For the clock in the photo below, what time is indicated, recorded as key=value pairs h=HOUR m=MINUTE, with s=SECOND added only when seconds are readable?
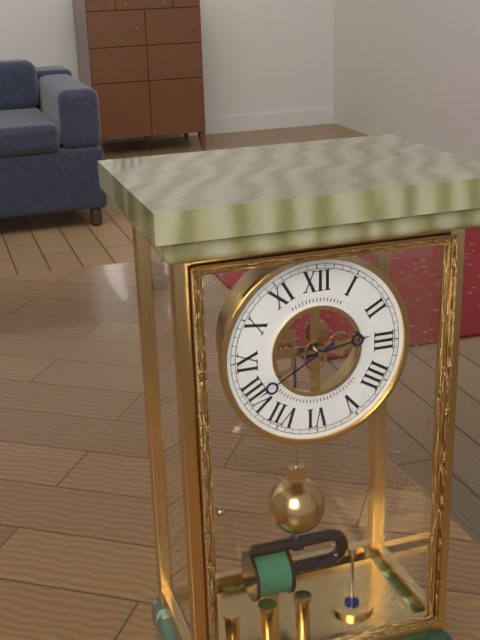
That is h=2 m=40
